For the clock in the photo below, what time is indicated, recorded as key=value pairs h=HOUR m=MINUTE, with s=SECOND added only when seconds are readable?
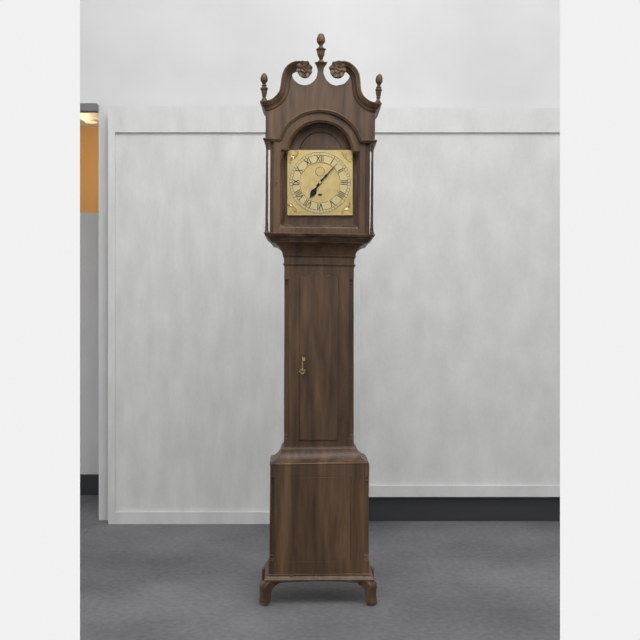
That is h=7 m=7
